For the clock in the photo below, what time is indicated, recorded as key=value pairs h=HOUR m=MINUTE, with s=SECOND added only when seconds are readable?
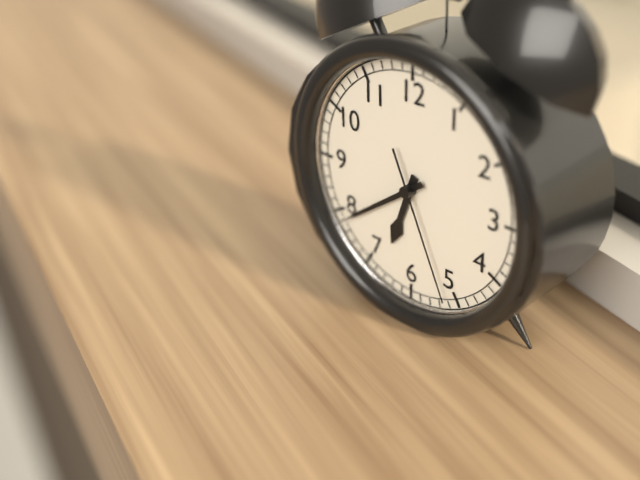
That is h=6 m=39 s=26
